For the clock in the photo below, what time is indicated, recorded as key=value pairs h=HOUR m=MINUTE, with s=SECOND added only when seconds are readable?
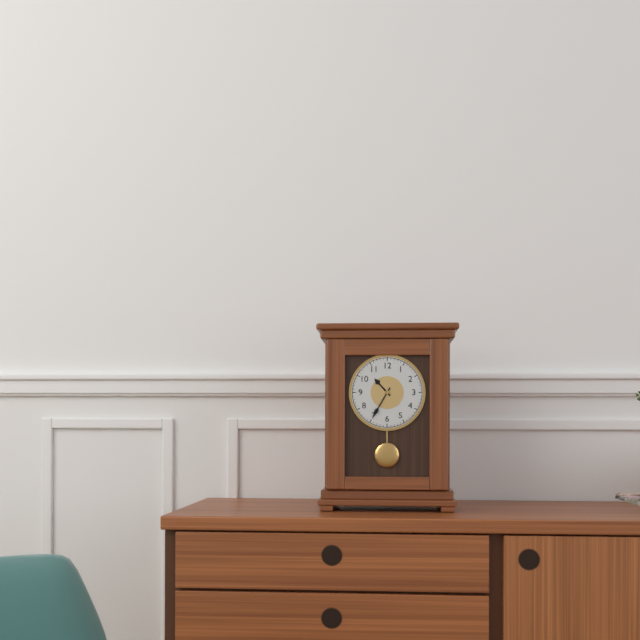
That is h=10 m=35
